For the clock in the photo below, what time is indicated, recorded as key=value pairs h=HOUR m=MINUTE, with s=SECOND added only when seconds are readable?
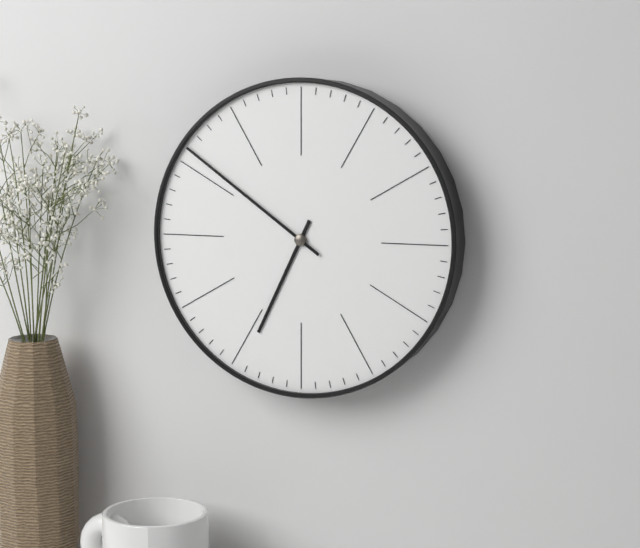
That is h=6 m=51
